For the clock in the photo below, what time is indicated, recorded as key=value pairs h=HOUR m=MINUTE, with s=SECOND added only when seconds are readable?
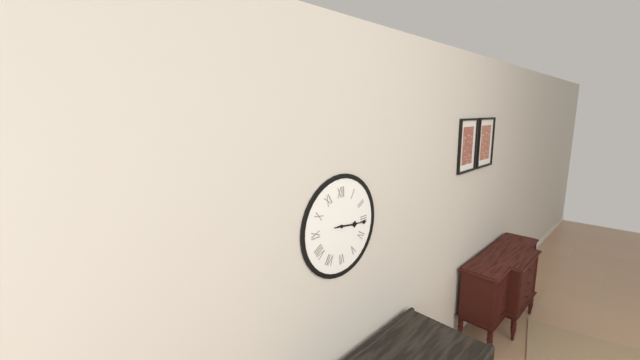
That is h=3 m=16
